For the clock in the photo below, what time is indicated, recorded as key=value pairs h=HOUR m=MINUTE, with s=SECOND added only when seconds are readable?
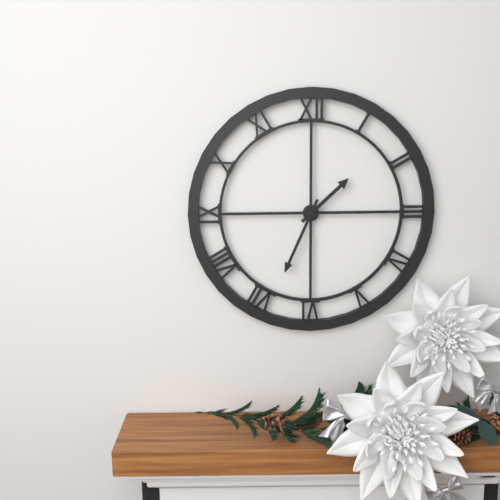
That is h=1 m=34
